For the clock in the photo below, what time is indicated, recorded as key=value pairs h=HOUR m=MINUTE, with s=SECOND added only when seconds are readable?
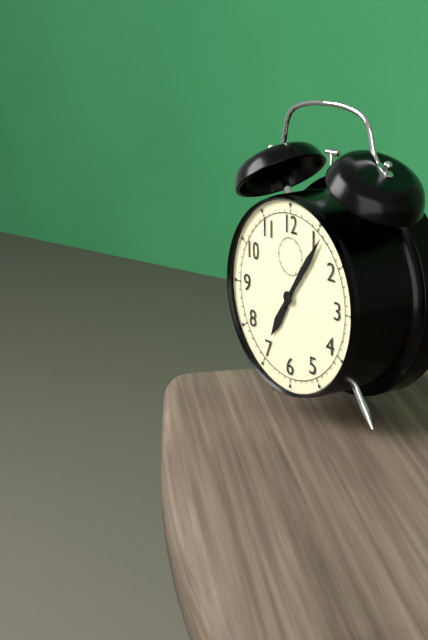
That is h=7 m=6
